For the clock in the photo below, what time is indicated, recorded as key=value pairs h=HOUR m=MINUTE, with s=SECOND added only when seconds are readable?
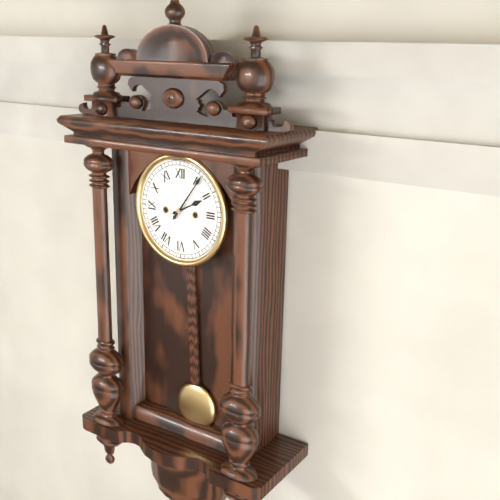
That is h=2 m=6
